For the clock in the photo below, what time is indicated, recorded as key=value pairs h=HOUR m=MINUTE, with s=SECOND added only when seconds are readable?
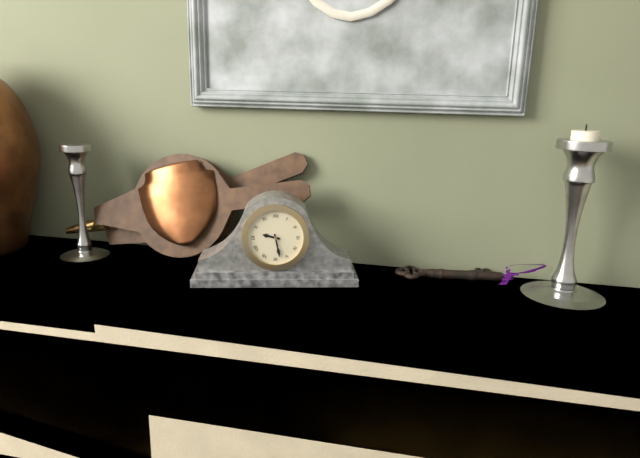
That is h=9 m=28
